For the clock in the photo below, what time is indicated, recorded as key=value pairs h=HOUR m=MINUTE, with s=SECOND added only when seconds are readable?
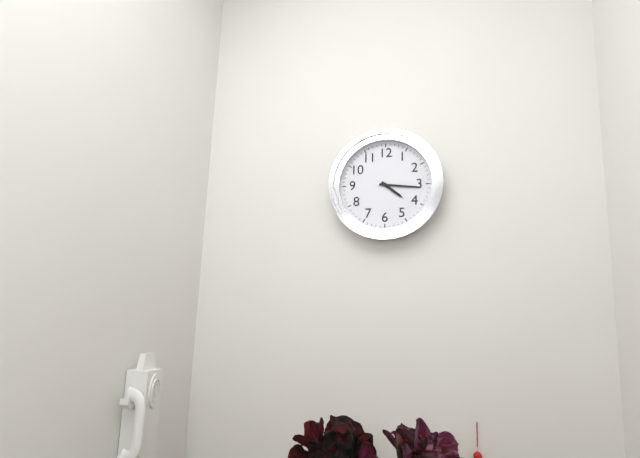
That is h=4 m=16
